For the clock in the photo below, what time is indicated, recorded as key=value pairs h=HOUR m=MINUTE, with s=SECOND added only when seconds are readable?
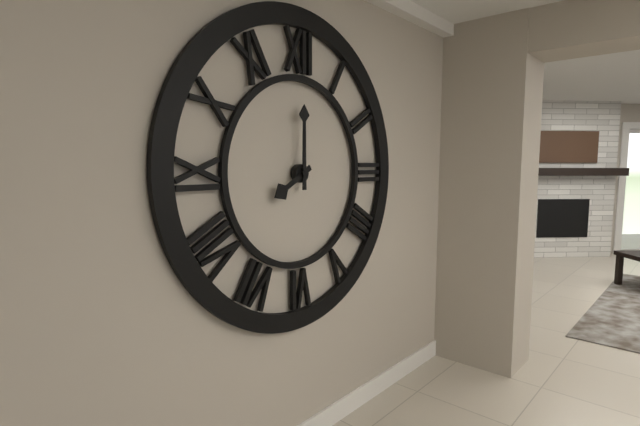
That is h=8 m=0
